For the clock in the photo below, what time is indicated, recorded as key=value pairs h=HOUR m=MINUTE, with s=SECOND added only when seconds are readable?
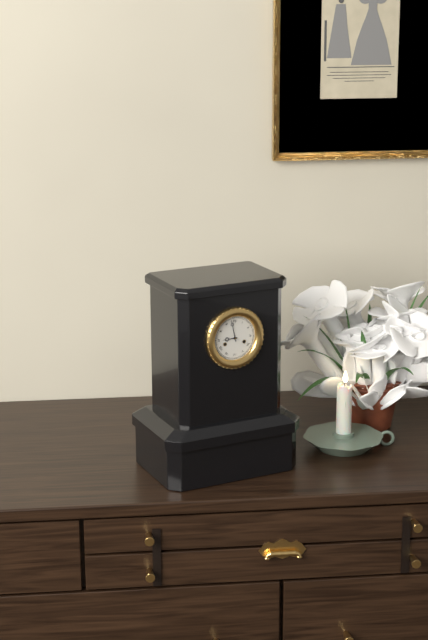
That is h=8 m=58
